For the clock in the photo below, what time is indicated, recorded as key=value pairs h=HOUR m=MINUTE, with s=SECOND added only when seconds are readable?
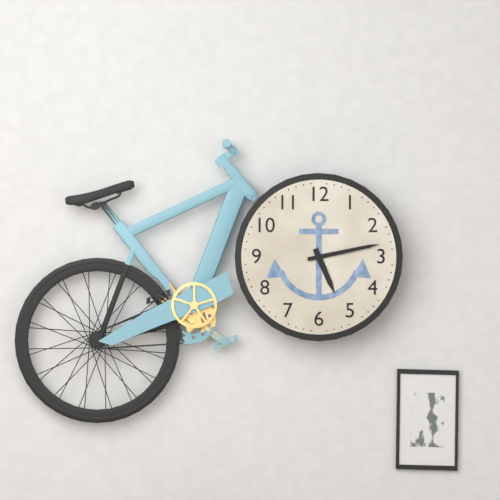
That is h=5 m=13
